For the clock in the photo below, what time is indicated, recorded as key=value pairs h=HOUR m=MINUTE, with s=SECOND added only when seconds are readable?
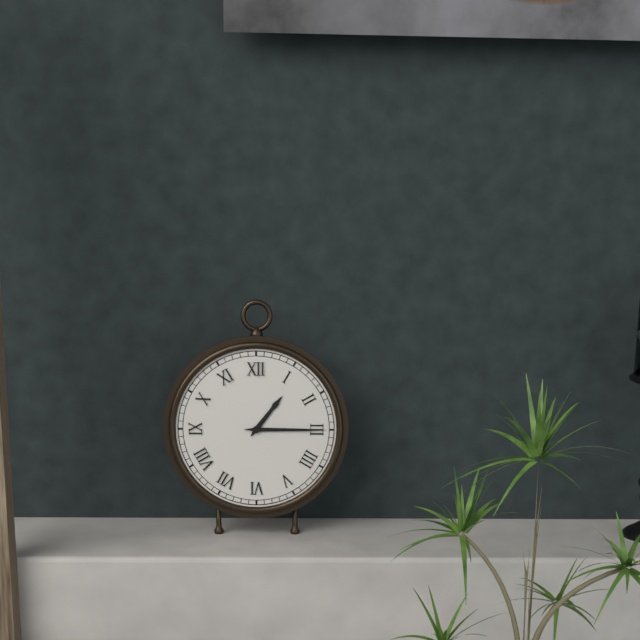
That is h=1 m=15
